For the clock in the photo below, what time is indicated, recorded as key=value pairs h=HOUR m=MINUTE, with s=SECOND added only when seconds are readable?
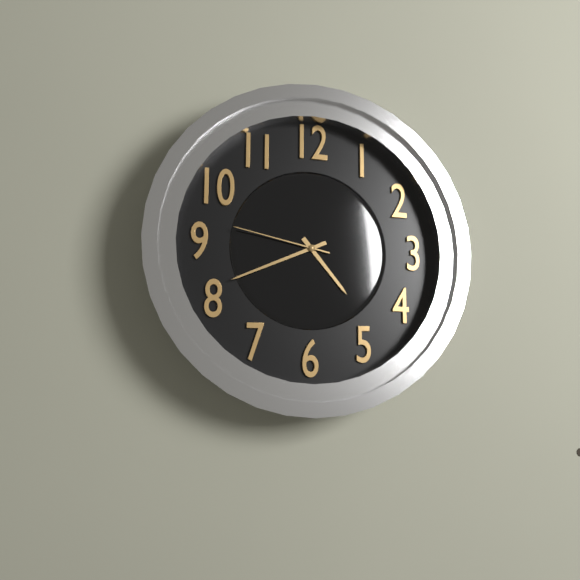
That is h=4 m=41 s=47
